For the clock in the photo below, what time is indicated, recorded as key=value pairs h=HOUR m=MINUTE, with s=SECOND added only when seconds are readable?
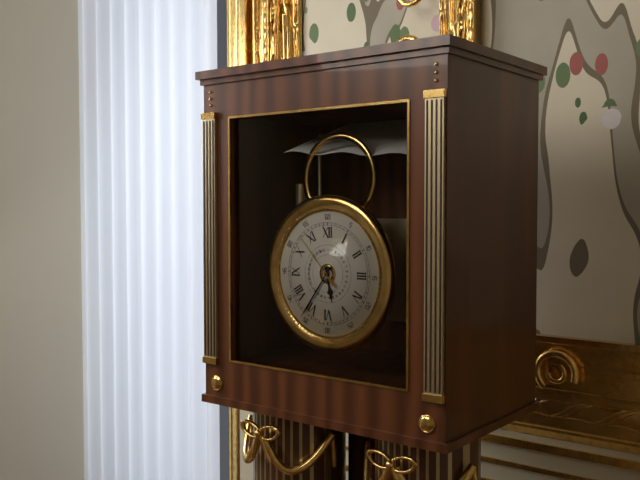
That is h=5 m=36 s=53
